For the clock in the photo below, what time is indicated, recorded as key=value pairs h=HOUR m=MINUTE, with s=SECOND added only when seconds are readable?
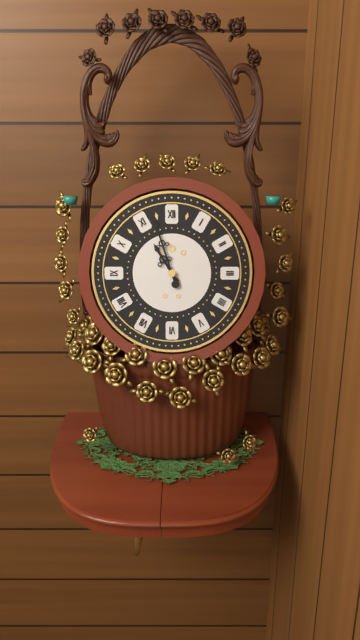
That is h=10 m=57
